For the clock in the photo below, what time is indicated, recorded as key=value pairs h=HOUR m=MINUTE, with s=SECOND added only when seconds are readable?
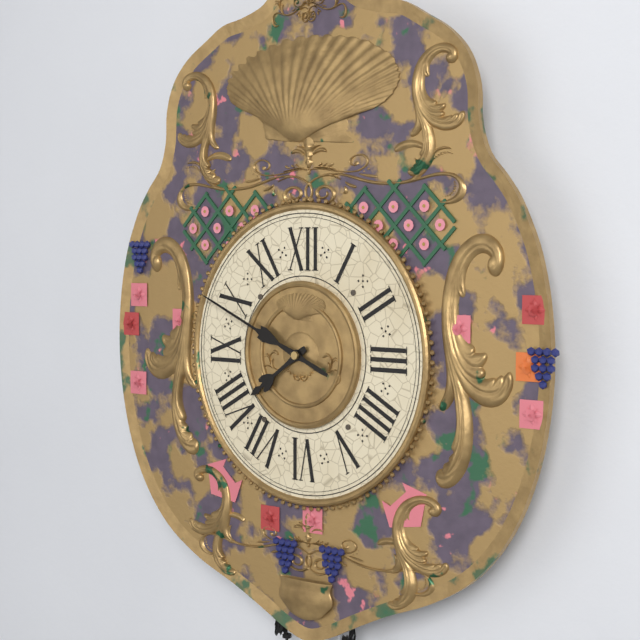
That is h=7 m=49
